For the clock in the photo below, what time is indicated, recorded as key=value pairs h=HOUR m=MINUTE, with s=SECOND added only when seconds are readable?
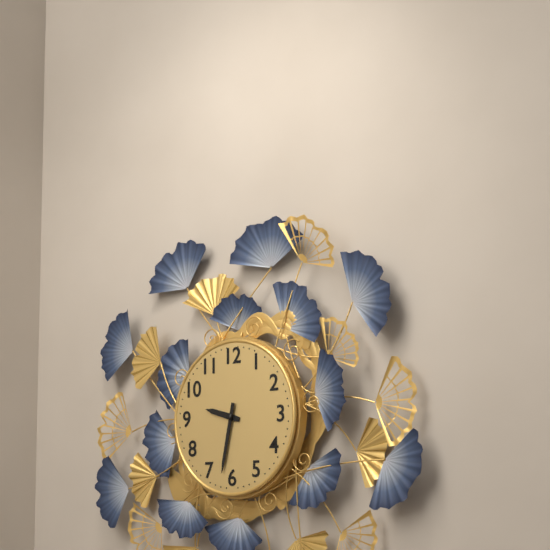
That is h=9 m=32
